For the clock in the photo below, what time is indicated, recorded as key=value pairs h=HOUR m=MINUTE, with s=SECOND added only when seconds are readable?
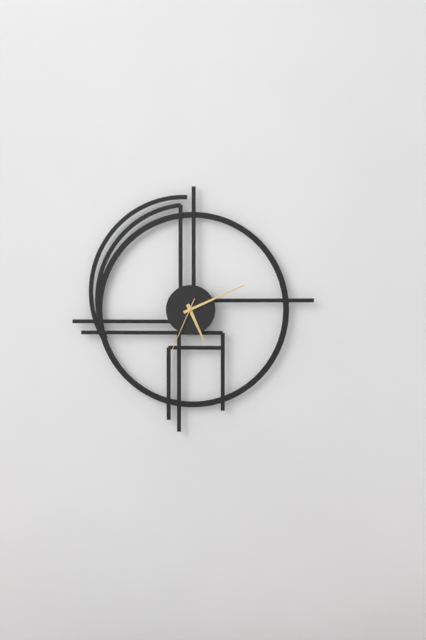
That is h=5 m=11 s=34
